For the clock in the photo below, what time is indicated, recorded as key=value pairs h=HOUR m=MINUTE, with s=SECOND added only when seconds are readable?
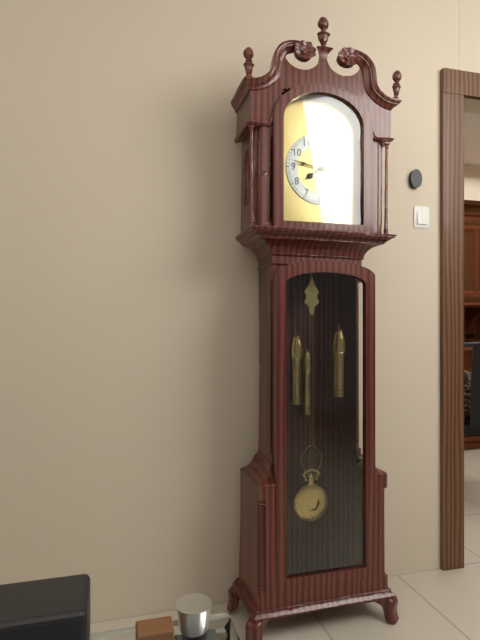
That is h=7 m=47
